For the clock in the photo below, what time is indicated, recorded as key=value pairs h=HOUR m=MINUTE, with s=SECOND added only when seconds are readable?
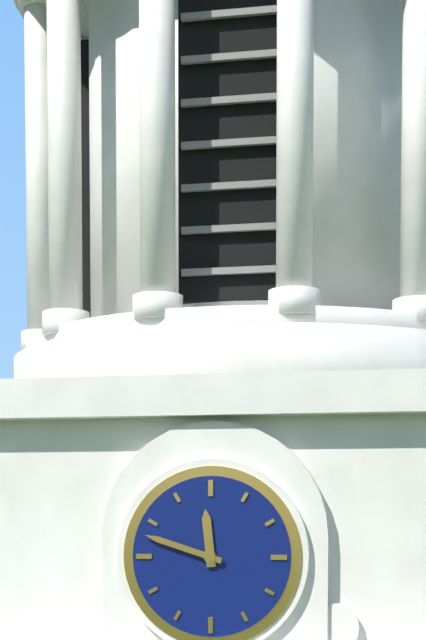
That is h=11 m=48
